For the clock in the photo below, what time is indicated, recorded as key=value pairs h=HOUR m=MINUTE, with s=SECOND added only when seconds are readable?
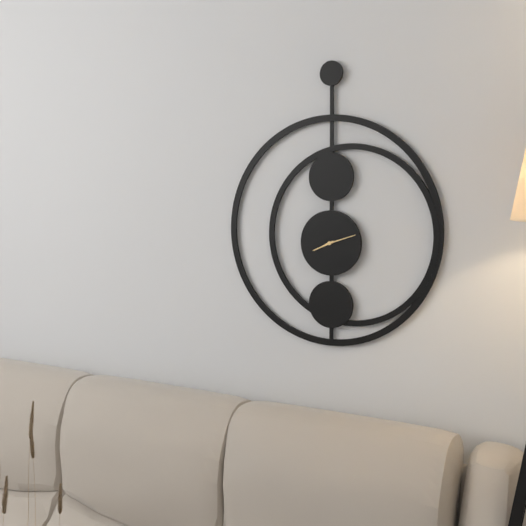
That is h=8 m=12
